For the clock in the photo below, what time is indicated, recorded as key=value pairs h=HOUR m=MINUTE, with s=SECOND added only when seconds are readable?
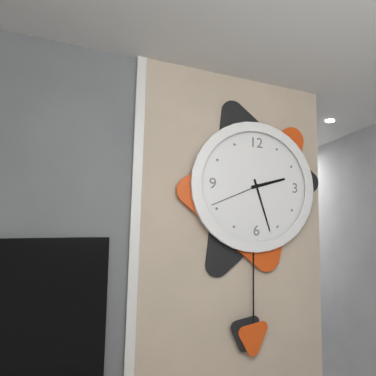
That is h=2 m=27 s=41
